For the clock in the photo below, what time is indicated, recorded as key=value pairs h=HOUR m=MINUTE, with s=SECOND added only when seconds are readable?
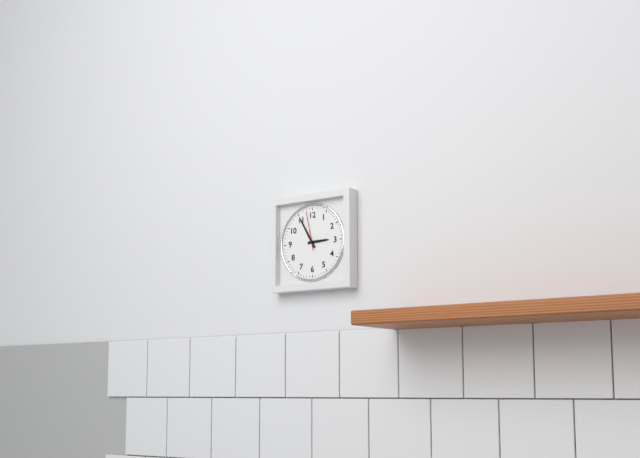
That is h=2 m=55
